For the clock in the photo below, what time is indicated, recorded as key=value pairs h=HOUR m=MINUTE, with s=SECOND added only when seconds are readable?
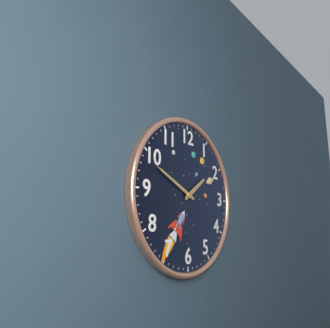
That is h=1 m=49
